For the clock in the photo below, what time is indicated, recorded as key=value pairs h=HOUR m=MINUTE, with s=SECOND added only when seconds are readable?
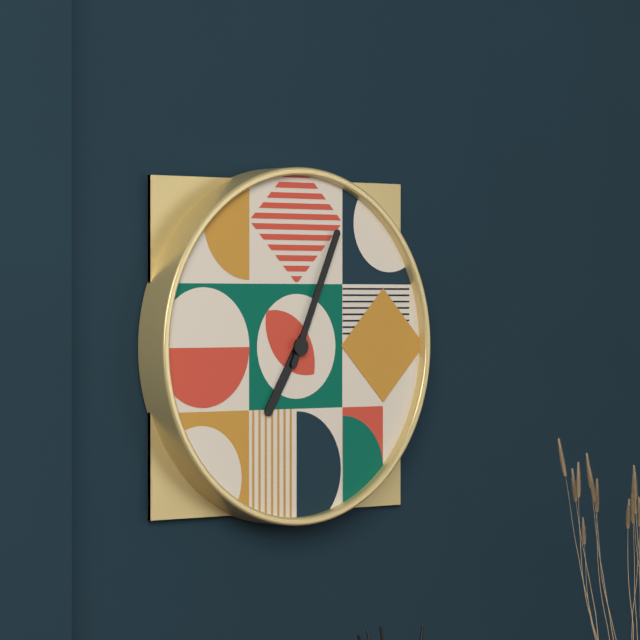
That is h=7 m=4
